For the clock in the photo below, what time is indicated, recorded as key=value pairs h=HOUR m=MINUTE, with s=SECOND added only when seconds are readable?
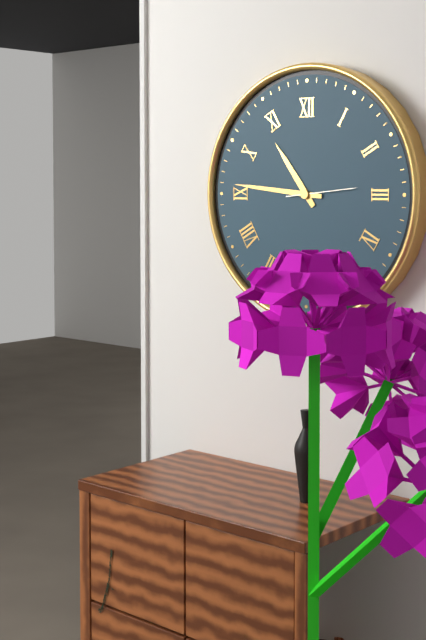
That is h=10 m=46 s=14
